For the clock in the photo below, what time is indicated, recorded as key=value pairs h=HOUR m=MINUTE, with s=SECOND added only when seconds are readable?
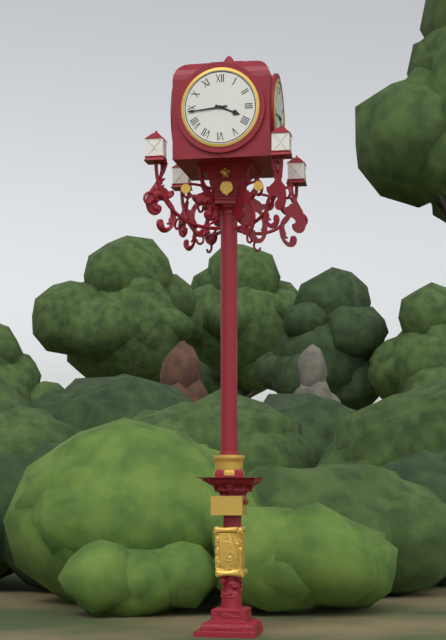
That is h=3 m=44
